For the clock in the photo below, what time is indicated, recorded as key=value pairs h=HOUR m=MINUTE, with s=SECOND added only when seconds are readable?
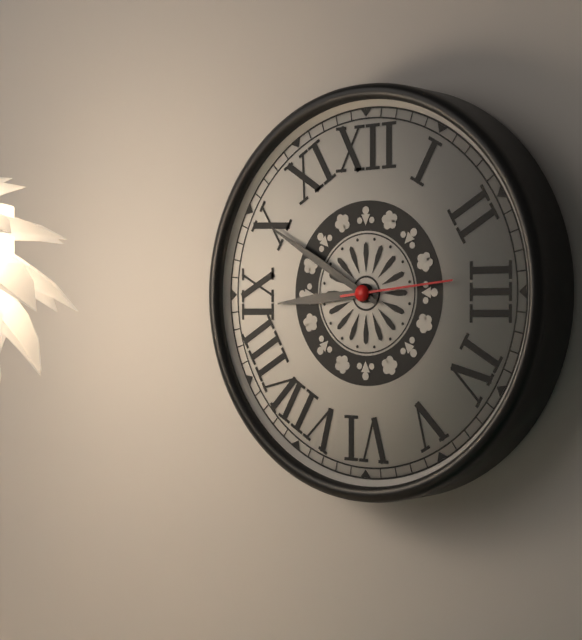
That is h=8 m=50 s=14
